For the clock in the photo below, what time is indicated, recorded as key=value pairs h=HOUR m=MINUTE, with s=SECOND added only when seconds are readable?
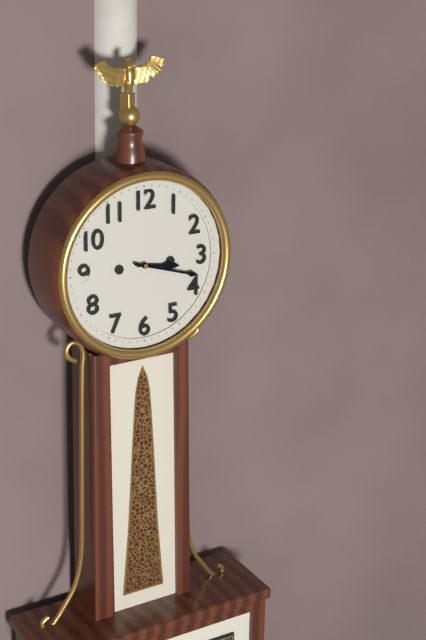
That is h=3 m=18
